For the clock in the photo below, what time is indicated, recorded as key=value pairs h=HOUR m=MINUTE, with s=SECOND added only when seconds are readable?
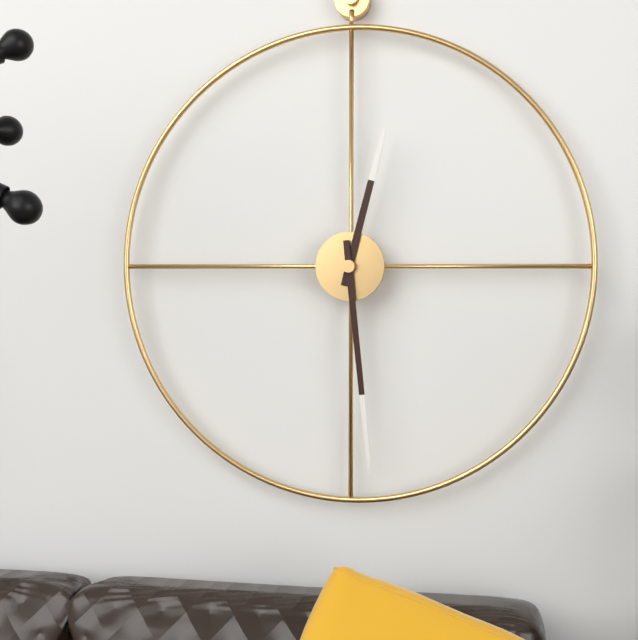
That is h=12 m=29
